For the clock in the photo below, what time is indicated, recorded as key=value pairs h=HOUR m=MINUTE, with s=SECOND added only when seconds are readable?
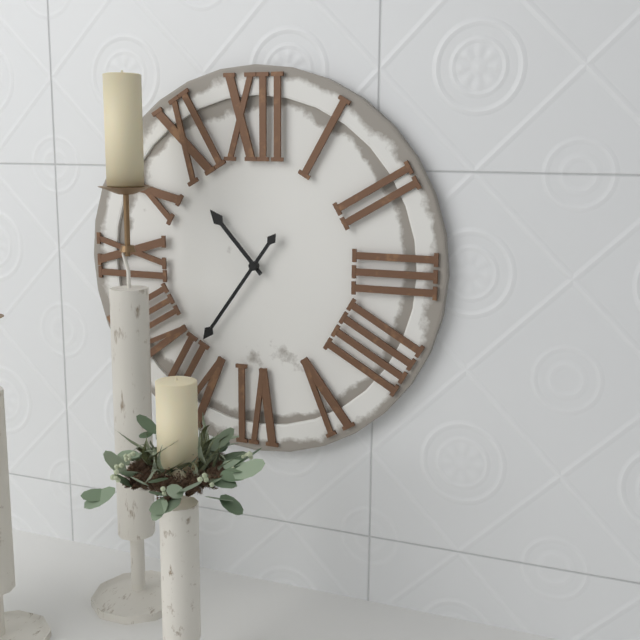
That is h=10 m=36
